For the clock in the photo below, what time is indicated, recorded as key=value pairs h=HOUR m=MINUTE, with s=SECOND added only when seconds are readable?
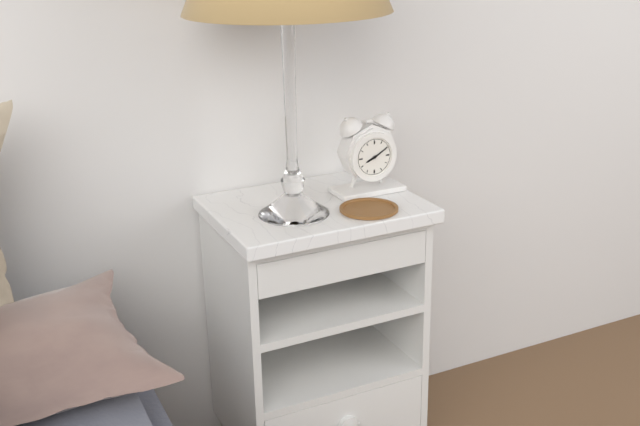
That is h=8 m=10
